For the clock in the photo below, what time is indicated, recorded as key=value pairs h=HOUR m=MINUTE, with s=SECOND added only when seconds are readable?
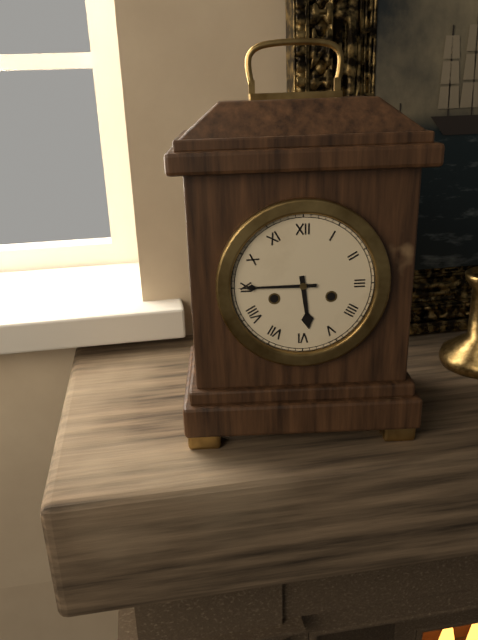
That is h=5 m=45
